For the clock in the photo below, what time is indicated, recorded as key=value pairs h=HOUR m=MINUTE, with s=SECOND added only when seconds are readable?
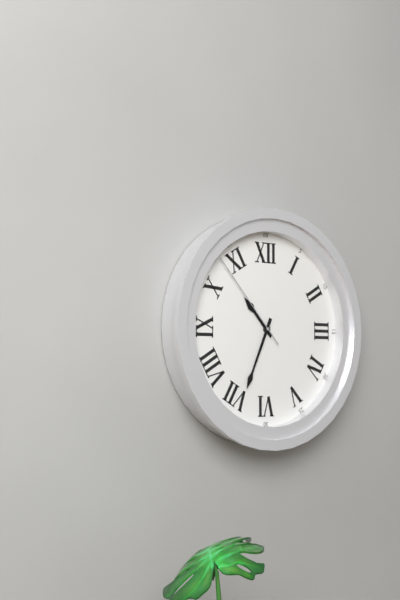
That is h=10 m=34 s=53
